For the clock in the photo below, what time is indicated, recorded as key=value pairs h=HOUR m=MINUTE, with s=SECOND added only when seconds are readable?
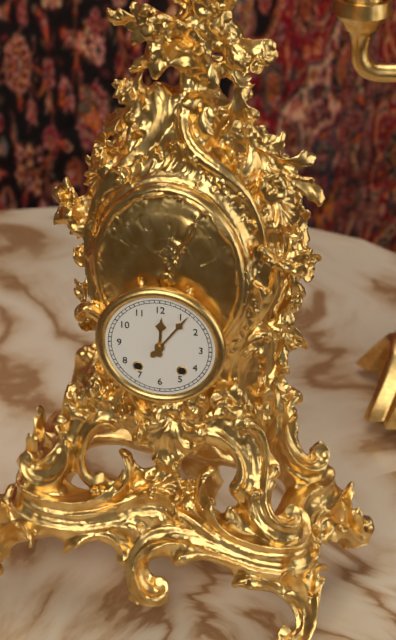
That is h=12 m=6
